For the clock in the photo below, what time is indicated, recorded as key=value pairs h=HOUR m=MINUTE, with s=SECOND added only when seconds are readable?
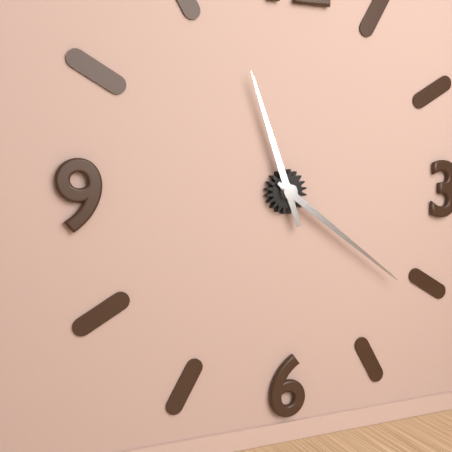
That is h=11 m=21
